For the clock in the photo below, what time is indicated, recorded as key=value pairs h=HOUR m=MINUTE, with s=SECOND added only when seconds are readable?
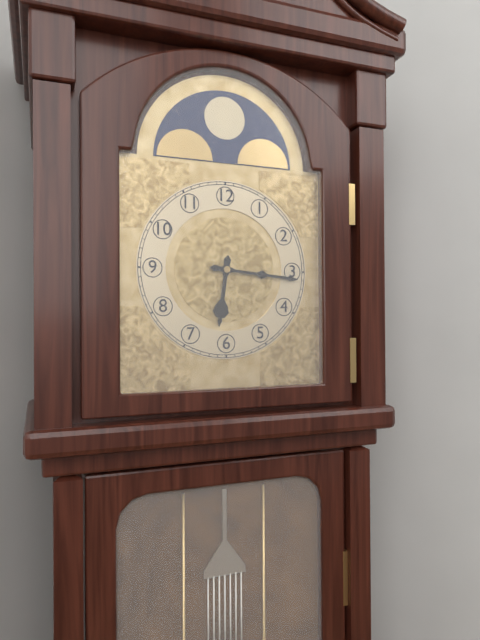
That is h=6 m=16
